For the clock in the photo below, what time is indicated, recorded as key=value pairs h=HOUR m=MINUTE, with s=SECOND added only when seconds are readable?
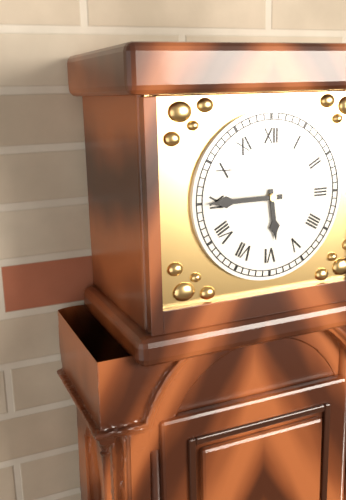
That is h=5 m=45
